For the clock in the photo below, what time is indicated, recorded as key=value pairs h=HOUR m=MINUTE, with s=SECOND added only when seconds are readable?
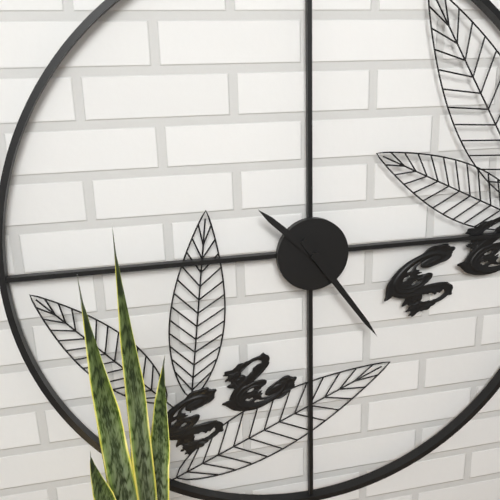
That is h=10 m=24
